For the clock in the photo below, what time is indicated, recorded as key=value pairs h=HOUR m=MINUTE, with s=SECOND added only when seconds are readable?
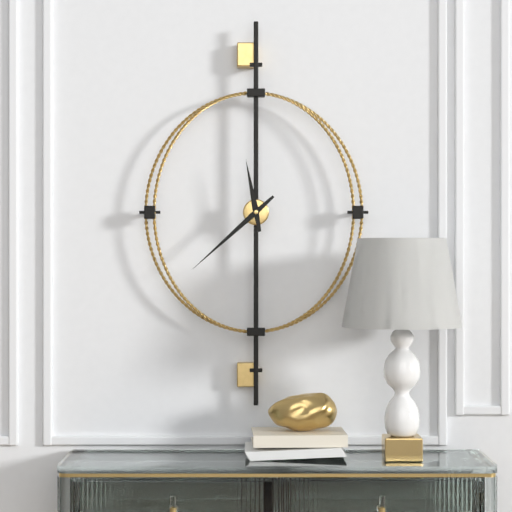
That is h=11 m=38
